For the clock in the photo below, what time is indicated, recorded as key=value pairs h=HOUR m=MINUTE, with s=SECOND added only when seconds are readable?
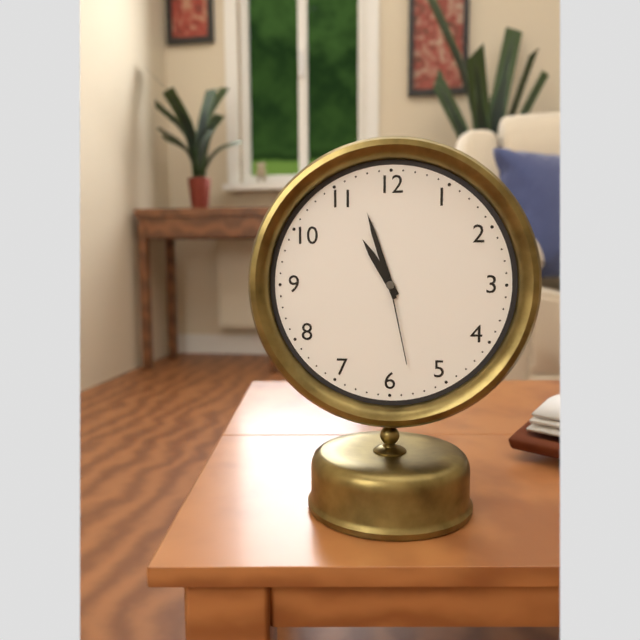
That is h=10 m=57 s=28
